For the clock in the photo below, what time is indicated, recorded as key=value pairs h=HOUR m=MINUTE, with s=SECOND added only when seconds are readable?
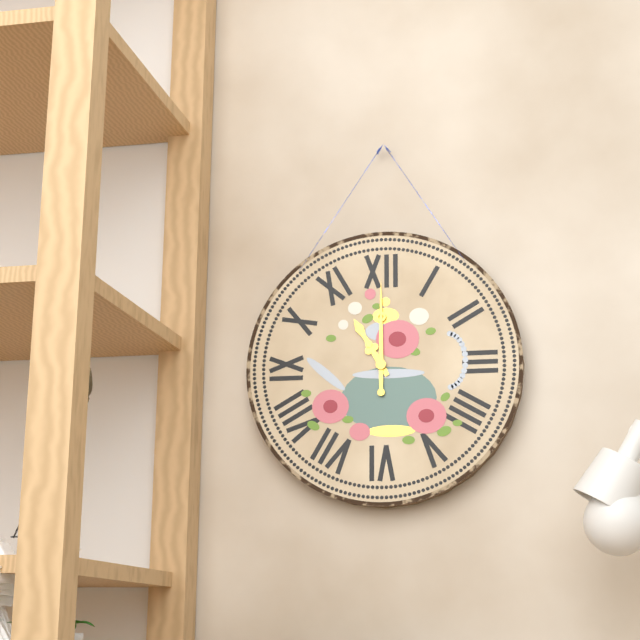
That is h=11 m=0
